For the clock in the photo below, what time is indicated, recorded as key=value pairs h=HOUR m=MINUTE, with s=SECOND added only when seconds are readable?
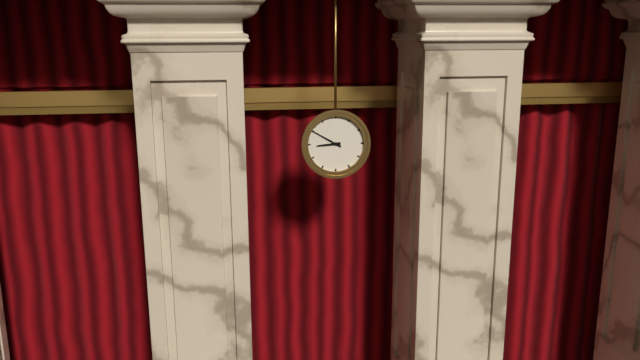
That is h=8 m=50
